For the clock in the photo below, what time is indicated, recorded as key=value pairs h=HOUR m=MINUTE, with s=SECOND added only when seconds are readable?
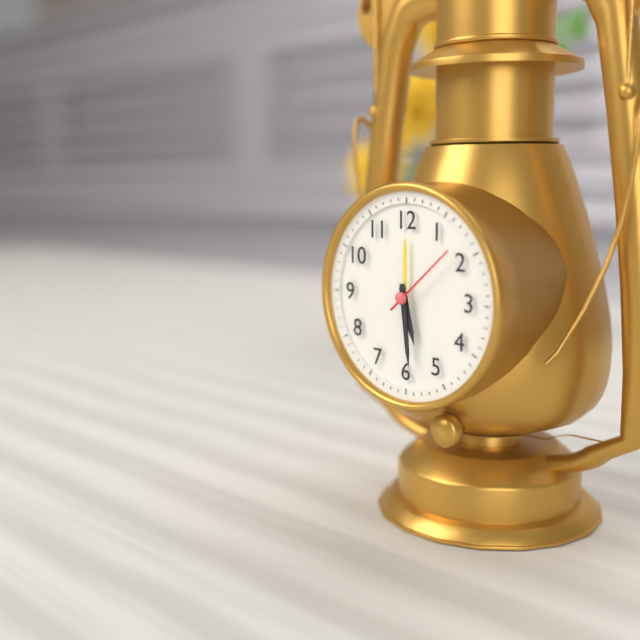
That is h=5 m=29 s=8
